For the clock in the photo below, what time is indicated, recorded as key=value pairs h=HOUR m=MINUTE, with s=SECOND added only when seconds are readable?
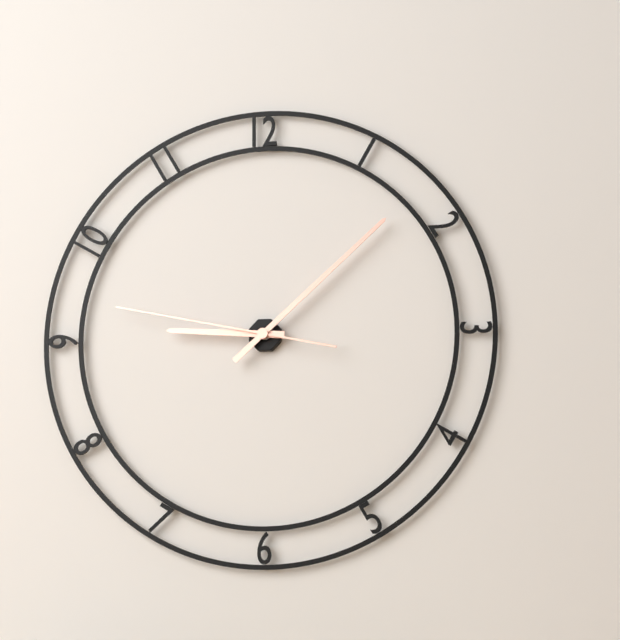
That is h=9 m=8 s=47
